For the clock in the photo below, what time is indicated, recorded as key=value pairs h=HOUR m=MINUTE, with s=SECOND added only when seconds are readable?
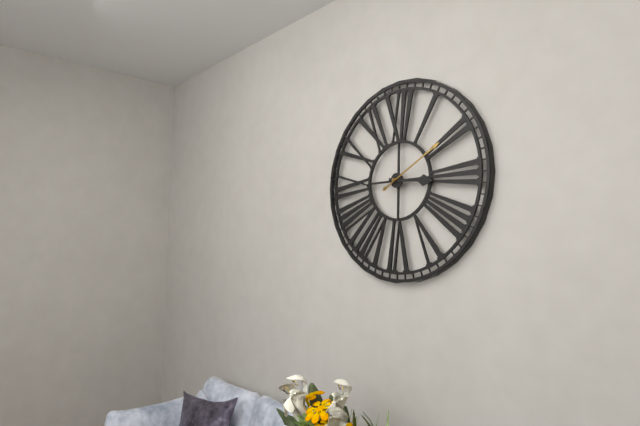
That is h=3 m=10
